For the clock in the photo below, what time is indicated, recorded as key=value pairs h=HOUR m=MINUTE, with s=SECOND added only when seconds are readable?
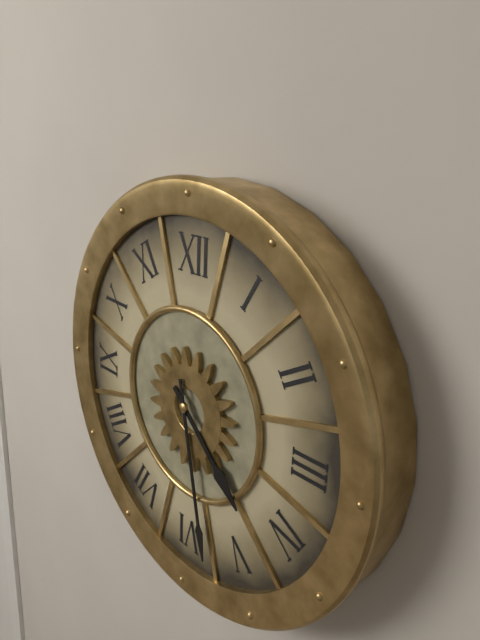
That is h=4 m=28
